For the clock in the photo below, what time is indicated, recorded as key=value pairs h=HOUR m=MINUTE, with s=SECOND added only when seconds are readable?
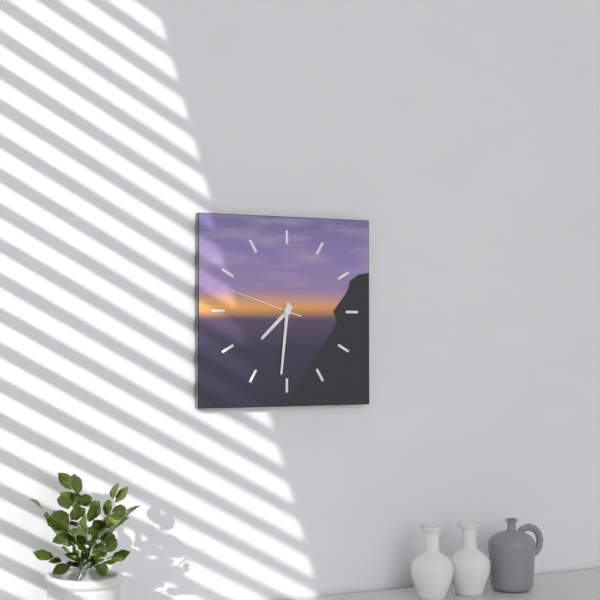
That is h=7 m=31 s=48
